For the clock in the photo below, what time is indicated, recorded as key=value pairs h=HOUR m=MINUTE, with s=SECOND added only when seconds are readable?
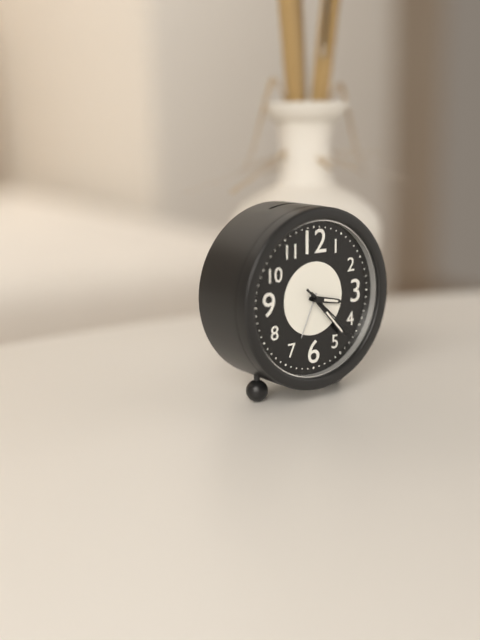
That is h=3 m=23 s=22
